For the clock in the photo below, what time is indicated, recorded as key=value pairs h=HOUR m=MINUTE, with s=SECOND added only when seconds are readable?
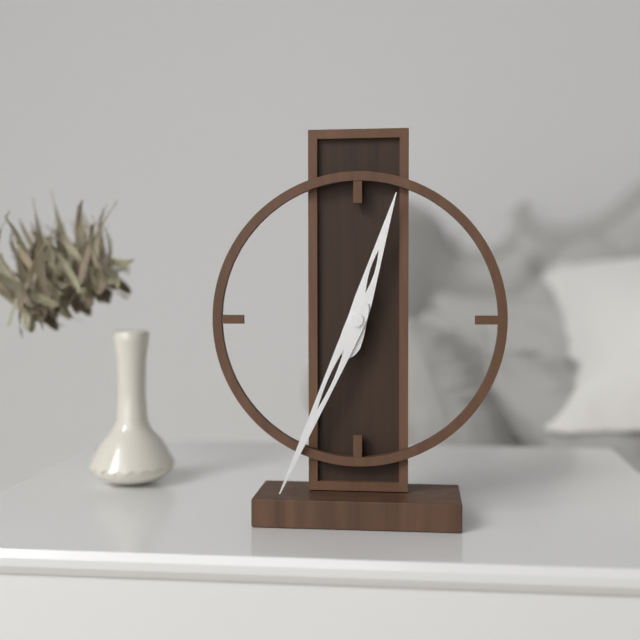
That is h=12 m=34
